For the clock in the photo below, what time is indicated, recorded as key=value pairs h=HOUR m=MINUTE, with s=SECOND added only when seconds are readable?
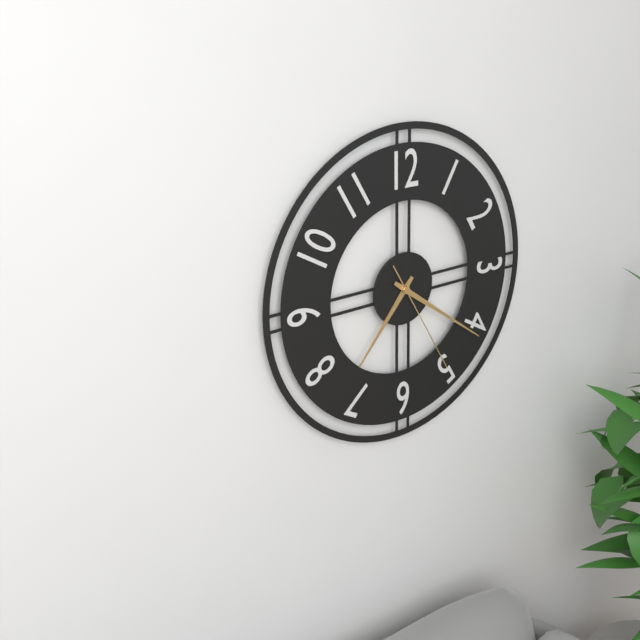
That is h=7 m=21 s=25
